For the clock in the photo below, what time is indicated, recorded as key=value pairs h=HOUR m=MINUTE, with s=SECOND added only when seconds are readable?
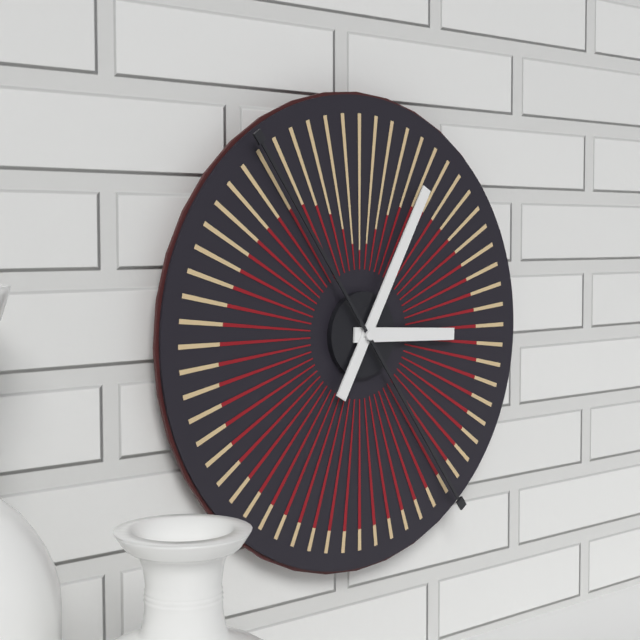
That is h=3 m=5
